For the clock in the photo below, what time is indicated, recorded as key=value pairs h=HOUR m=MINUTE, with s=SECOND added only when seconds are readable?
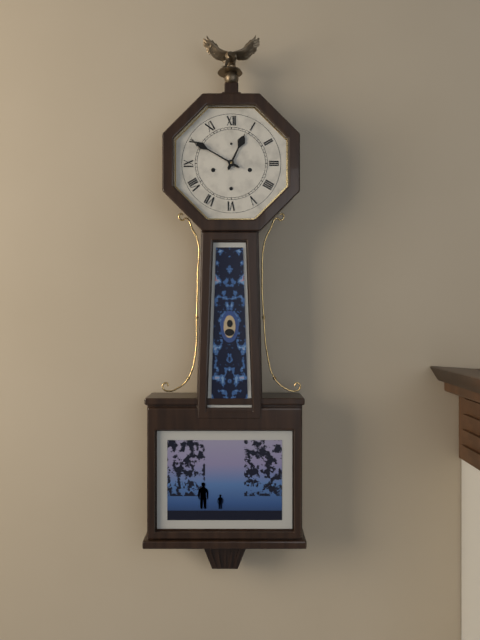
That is h=12 m=50
